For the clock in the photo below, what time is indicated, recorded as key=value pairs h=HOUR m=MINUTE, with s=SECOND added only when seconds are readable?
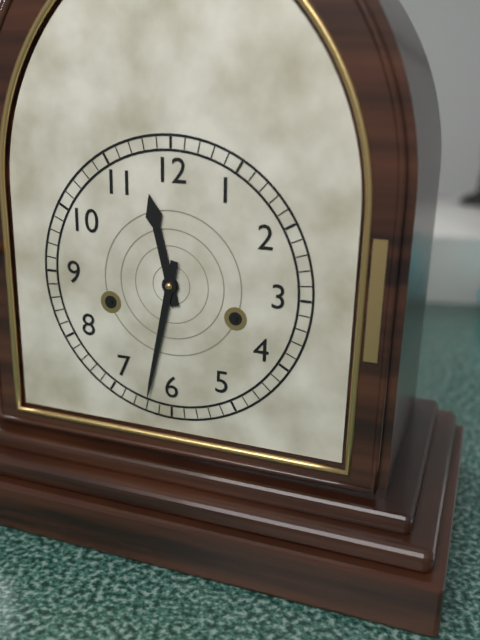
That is h=11 m=32
